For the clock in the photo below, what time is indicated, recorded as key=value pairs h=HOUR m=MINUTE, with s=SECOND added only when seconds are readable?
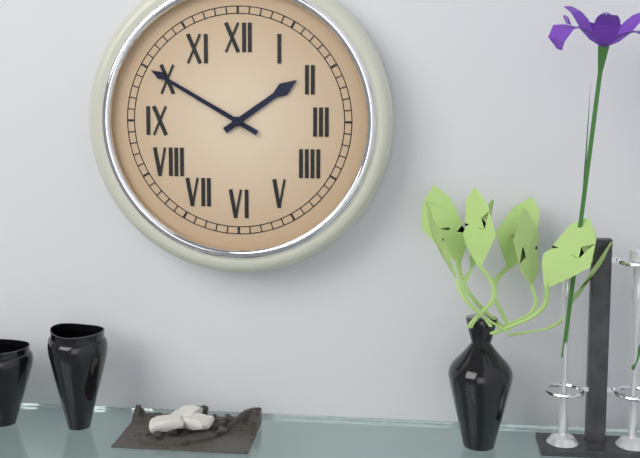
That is h=1 m=50
